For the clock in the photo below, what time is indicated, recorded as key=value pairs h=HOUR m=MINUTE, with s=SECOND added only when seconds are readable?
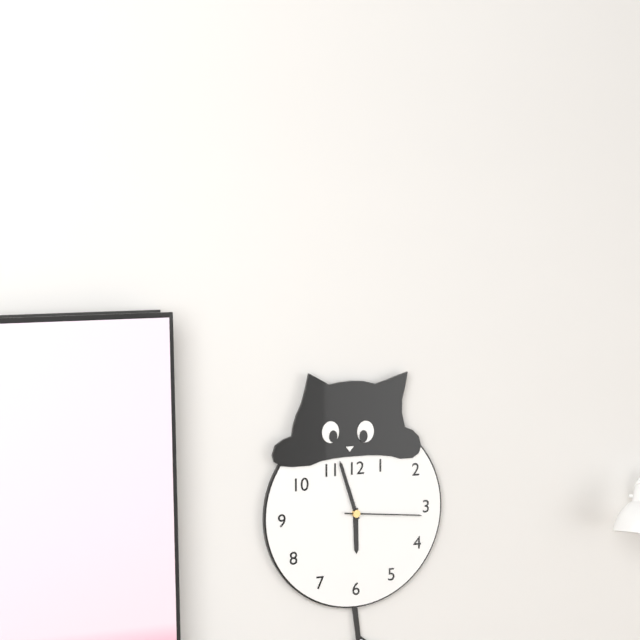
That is h=5 m=57 s=16
